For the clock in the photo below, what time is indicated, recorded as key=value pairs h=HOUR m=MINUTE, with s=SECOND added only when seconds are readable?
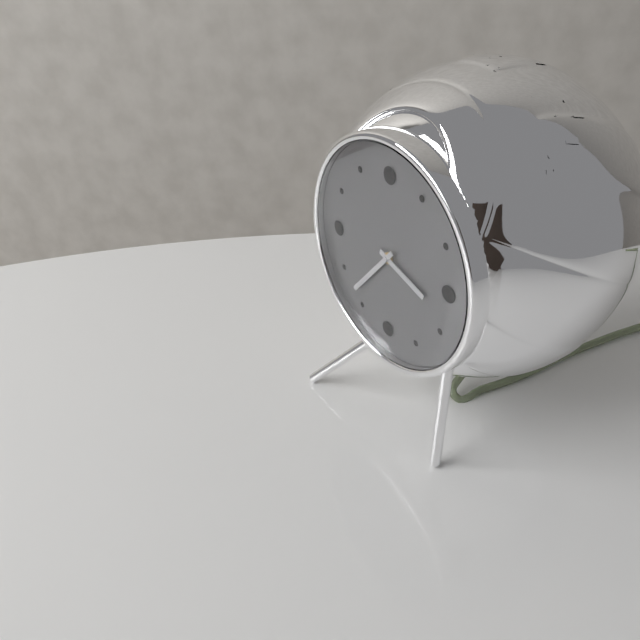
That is h=3 m=37
